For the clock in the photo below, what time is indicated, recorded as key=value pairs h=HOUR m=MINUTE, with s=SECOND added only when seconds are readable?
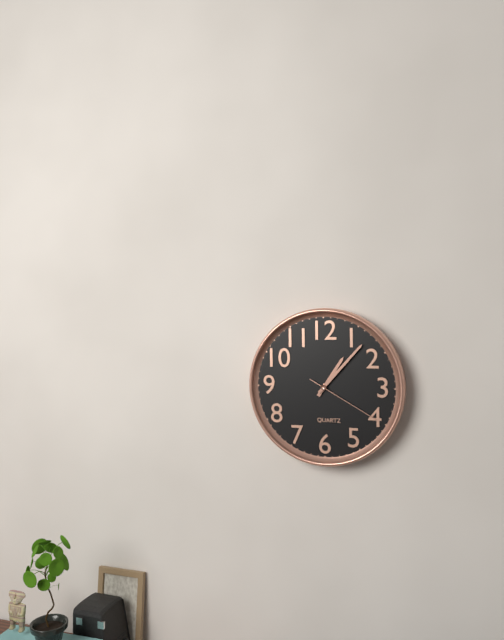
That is h=1 m=7 s=20
